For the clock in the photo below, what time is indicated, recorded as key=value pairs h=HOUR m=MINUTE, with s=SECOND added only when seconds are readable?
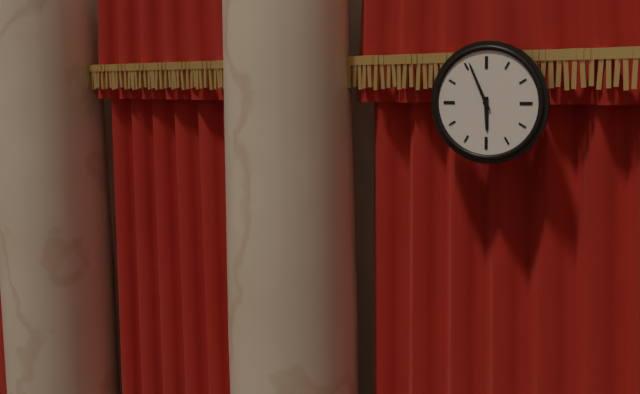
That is h=5 m=56
